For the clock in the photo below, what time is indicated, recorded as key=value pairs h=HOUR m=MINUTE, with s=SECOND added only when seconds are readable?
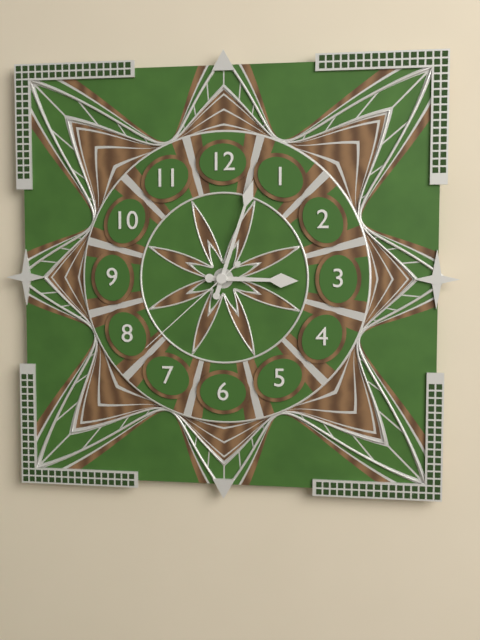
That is h=3 m=3 s=38
